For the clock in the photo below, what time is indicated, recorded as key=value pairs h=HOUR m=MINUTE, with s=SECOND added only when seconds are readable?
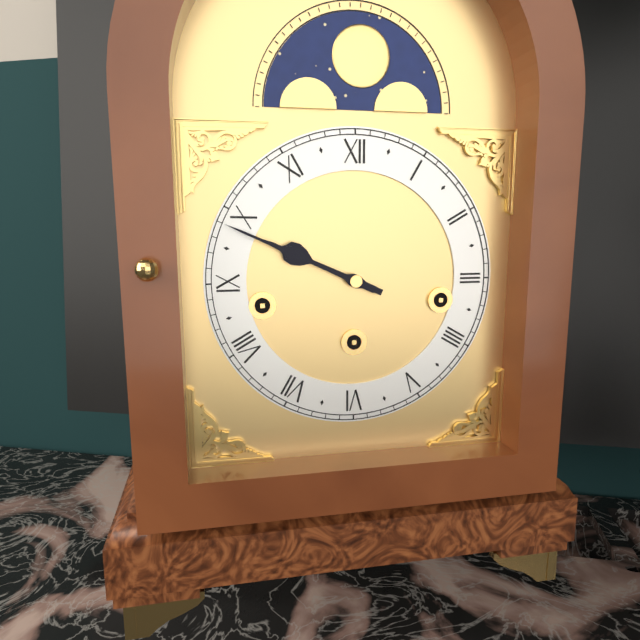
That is h=9 m=49
